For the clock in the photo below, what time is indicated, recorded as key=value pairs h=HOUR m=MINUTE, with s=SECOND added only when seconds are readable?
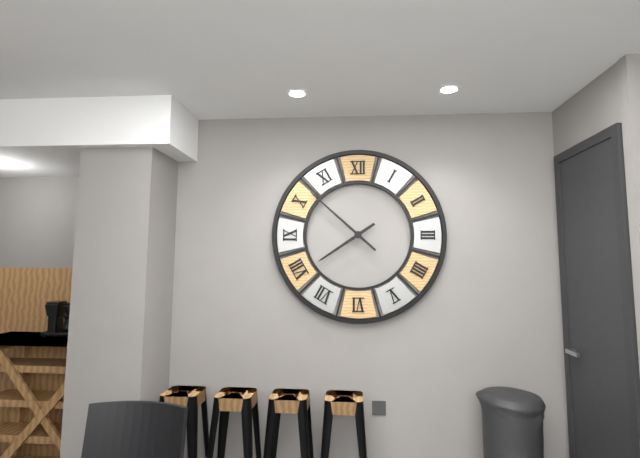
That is h=7 m=52
